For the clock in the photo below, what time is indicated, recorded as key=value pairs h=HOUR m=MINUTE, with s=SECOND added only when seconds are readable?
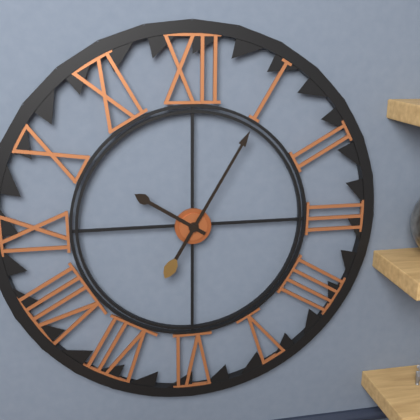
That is h=10 m=5
